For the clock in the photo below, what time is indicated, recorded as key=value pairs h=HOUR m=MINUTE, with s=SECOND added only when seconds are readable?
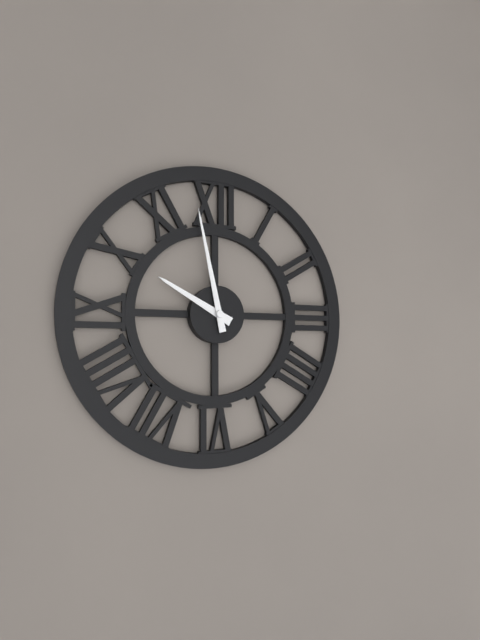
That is h=9 m=58
